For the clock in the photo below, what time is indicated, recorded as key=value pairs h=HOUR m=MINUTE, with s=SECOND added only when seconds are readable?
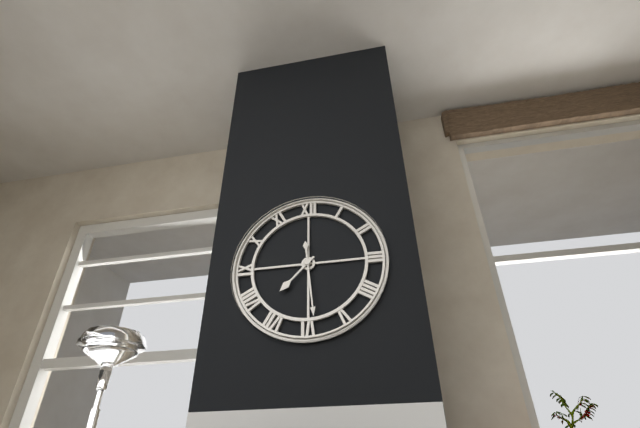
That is h=7 m=29
